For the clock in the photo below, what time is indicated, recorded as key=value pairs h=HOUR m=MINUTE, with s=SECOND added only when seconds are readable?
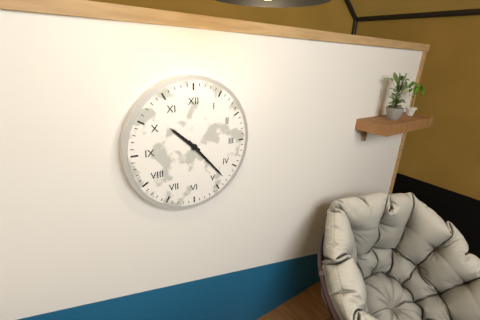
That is h=10 m=23
